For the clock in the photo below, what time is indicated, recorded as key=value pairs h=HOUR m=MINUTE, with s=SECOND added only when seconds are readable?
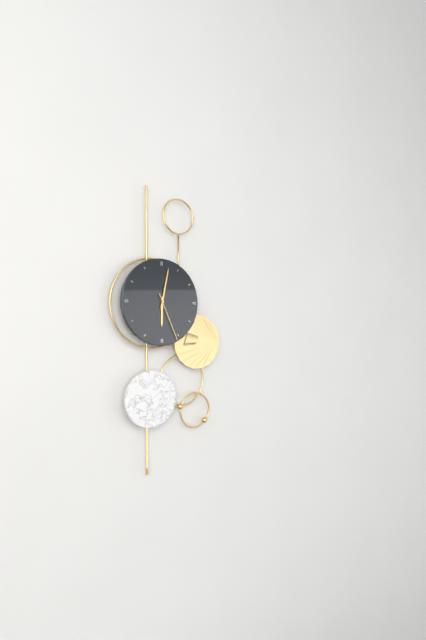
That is h=6 m=2 s=26
